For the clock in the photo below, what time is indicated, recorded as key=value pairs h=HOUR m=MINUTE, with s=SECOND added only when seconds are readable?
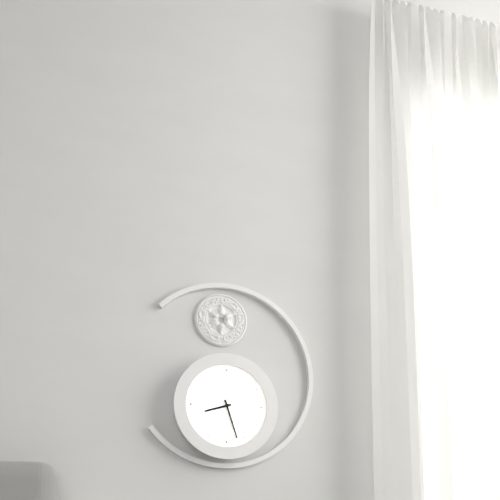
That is h=8 m=27
